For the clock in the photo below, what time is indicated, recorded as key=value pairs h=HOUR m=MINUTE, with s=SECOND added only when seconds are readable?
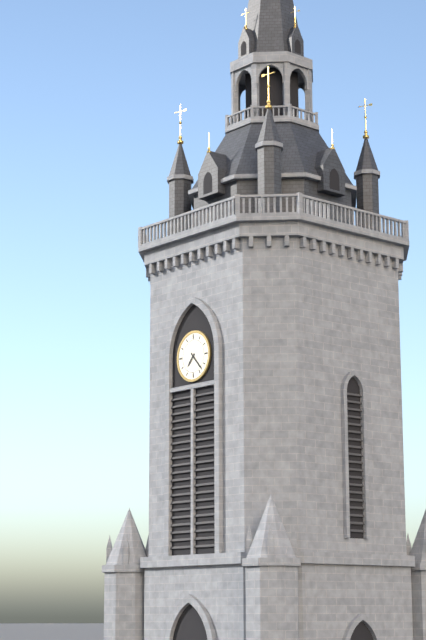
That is h=7 m=23
